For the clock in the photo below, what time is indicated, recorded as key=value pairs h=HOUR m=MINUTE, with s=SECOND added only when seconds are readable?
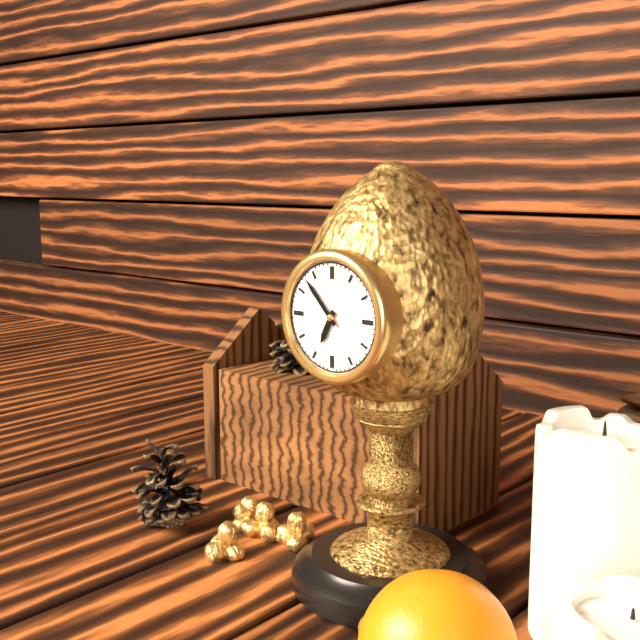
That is h=6 m=53
